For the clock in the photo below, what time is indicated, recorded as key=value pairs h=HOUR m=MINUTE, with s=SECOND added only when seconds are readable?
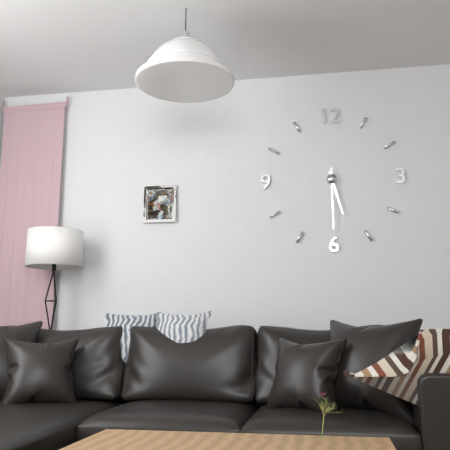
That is h=5 m=30
